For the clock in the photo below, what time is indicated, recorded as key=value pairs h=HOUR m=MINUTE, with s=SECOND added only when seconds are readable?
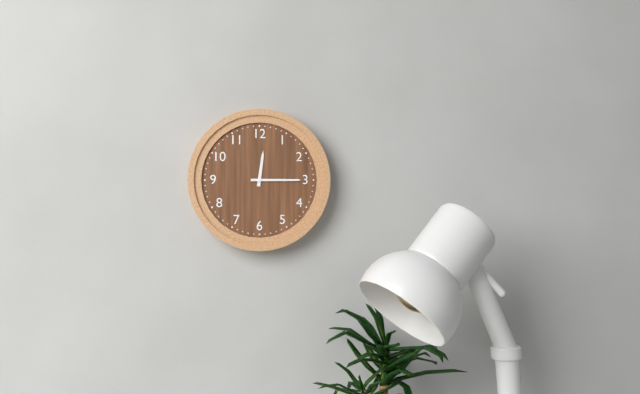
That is h=12 m=15
